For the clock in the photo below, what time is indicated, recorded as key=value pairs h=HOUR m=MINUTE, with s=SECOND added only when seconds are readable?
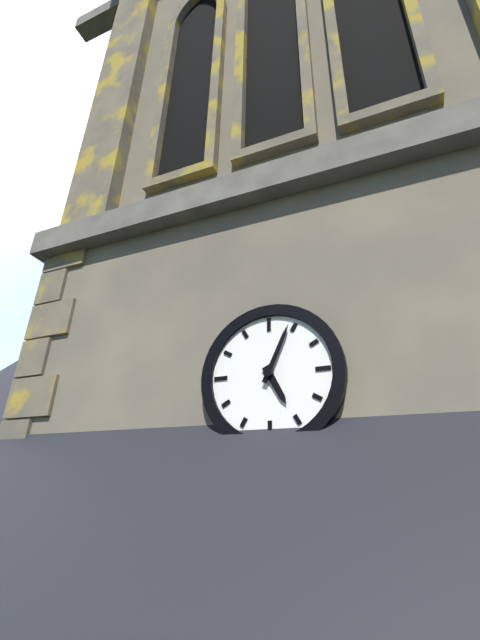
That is h=5 m=4
